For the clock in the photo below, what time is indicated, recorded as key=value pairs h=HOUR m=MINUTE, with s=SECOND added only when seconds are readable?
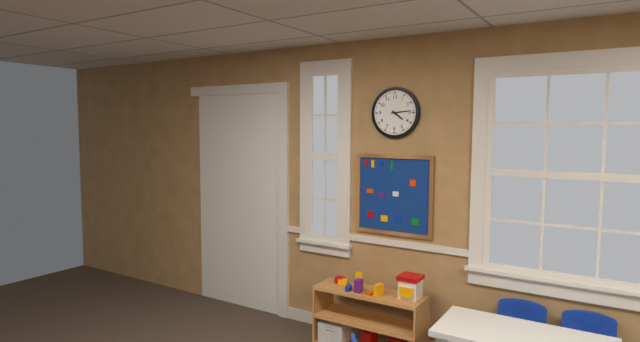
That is h=4 m=14
